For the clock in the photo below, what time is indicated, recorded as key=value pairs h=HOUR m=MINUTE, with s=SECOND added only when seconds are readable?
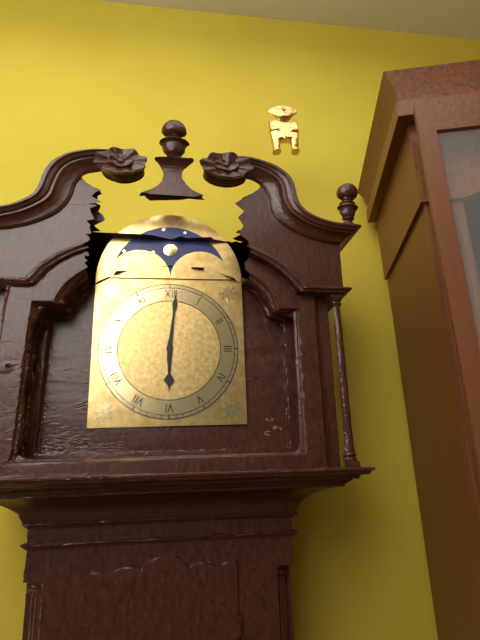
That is h=6 m=1
